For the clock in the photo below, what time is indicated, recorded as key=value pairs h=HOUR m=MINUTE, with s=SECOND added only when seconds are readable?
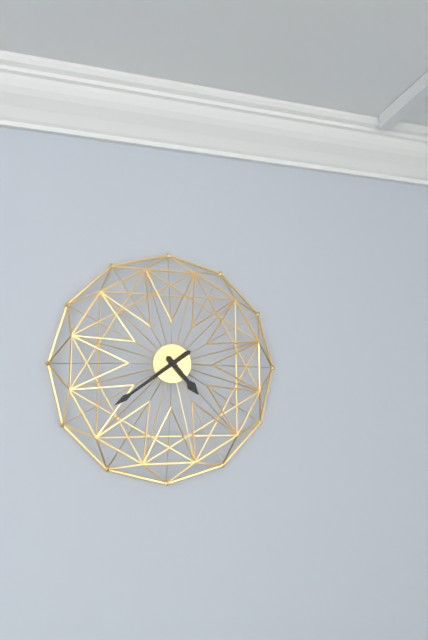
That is h=4 m=39
